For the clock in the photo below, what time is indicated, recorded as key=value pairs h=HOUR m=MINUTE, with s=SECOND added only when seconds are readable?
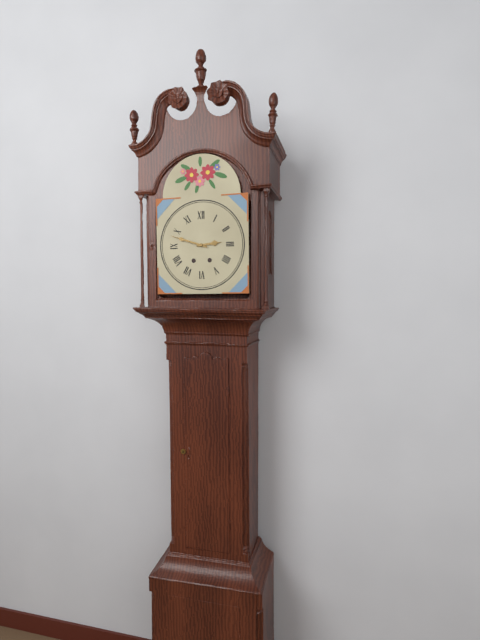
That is h=2 m=48
